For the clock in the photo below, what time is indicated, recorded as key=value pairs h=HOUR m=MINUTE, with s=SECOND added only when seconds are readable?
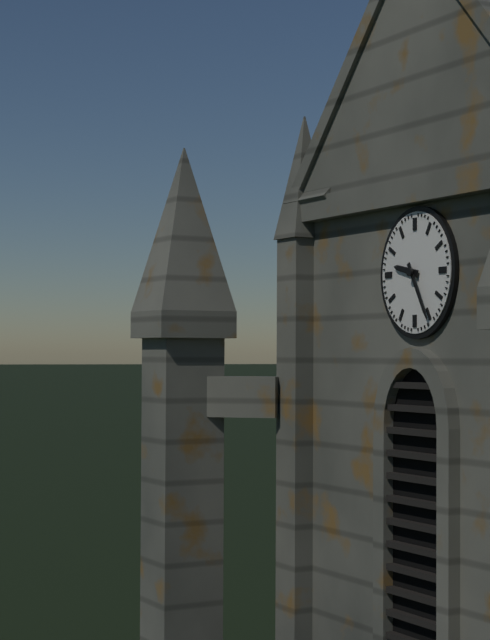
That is h=9 m=25
